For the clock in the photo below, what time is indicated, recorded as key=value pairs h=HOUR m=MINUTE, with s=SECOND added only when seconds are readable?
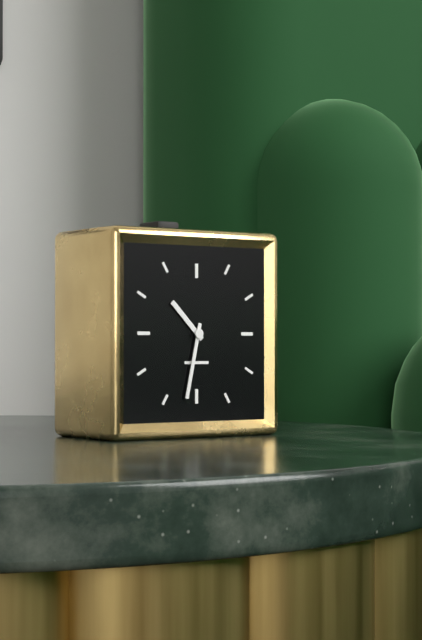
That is h=10 m=32
